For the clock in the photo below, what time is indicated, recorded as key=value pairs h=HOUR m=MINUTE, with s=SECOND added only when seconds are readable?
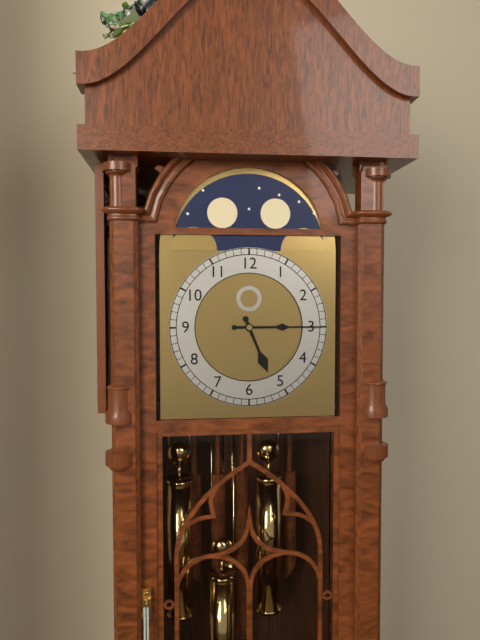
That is h=5 m=15
